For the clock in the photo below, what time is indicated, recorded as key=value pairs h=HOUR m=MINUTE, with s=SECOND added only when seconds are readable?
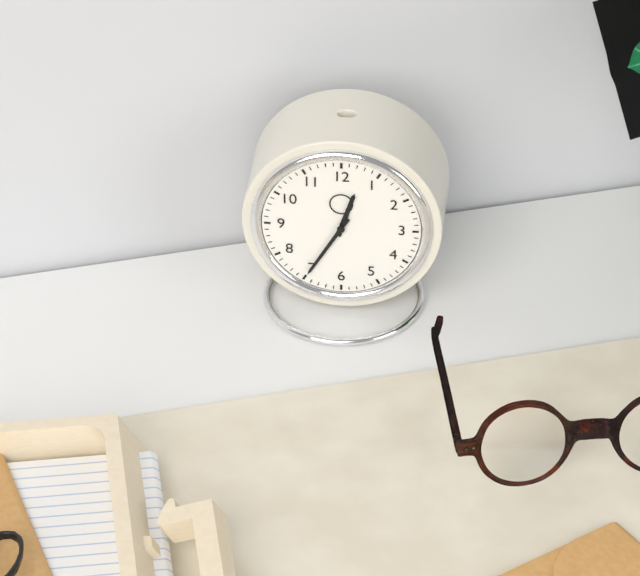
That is h=12 m=35
